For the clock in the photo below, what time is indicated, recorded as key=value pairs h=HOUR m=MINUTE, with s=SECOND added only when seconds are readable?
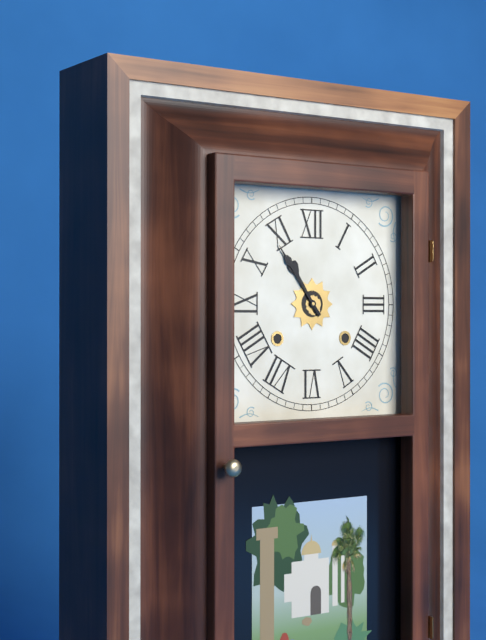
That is h=10 m=54
